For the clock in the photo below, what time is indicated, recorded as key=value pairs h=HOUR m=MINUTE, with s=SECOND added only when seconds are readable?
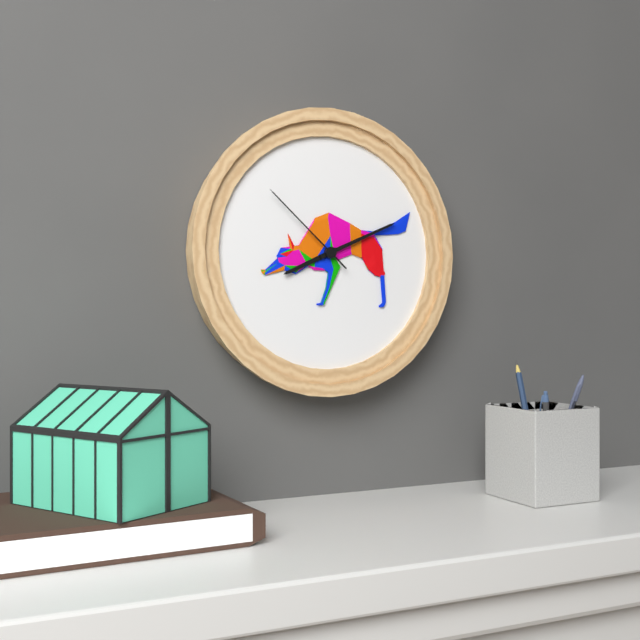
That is h=8 m=11 s=52
